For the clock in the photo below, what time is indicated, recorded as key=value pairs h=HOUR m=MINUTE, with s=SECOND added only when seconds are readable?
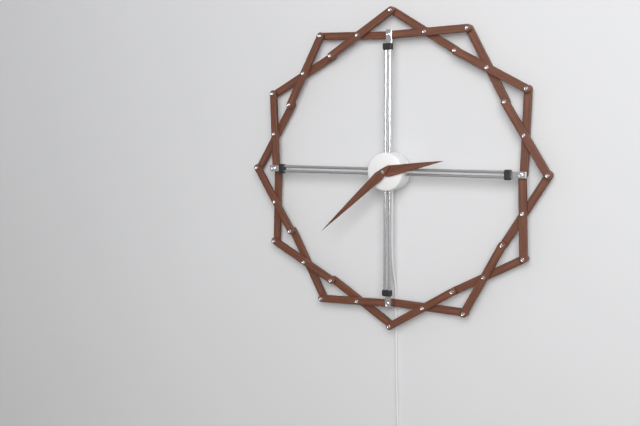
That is h=2 m=38
